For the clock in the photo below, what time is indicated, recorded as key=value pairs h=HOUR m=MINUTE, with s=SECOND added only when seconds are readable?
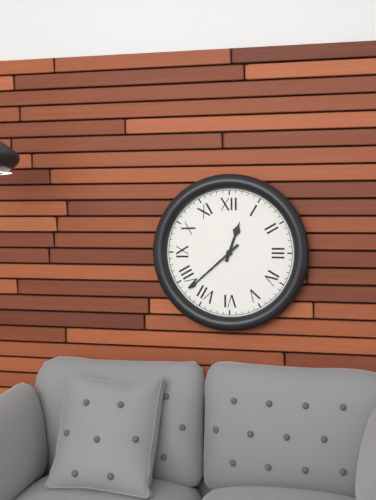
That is h=12 m=38
